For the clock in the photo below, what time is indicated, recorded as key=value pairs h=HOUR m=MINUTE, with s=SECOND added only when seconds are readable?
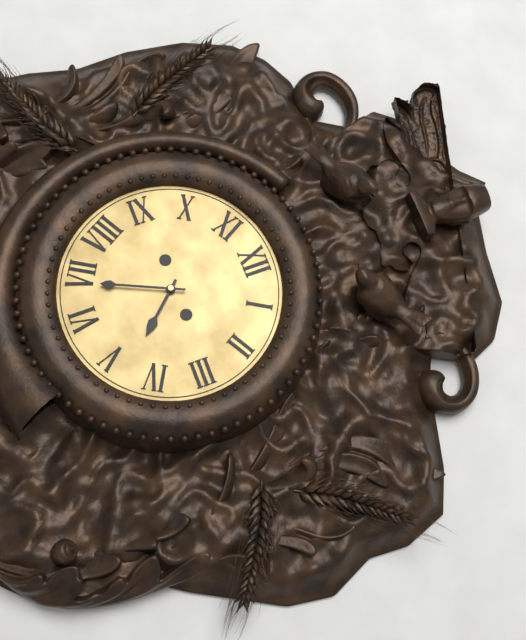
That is h=4 m=34
